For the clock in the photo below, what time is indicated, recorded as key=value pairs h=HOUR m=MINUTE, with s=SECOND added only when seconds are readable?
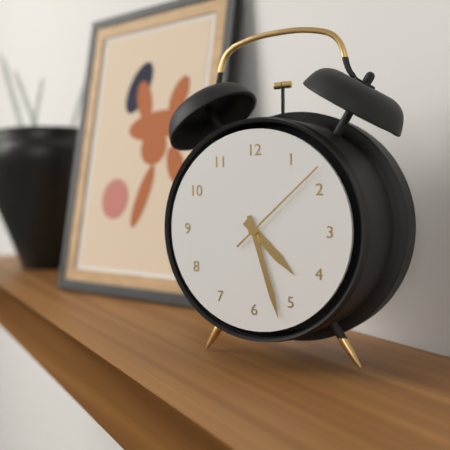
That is h=4 m=27 s=8
